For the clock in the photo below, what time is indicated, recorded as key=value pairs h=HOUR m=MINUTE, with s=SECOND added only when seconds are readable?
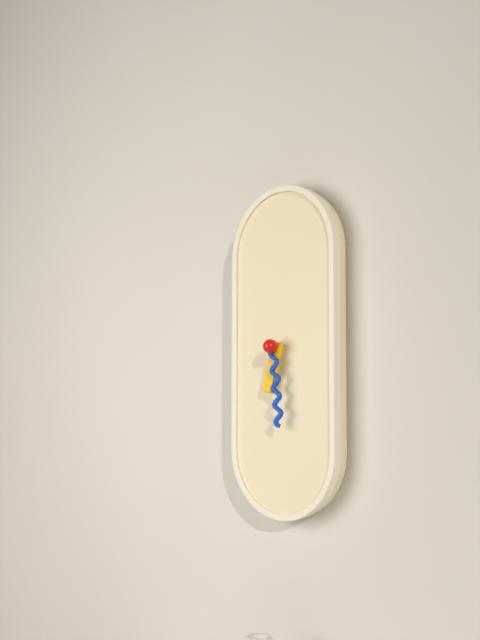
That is h=6 m=29
